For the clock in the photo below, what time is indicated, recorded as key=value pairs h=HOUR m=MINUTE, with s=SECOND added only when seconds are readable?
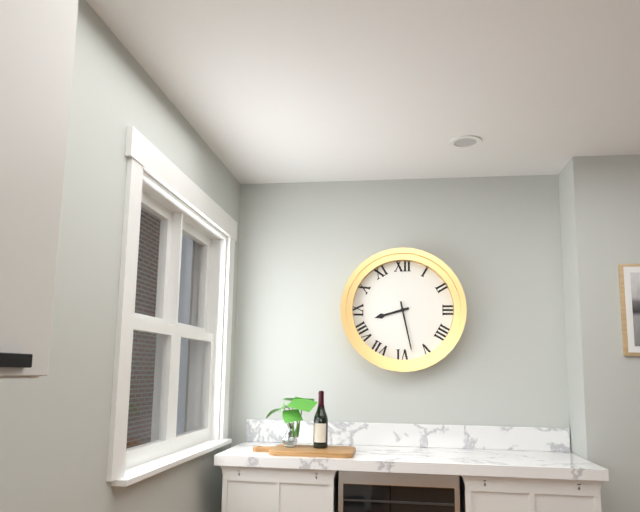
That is h=8 m=28
